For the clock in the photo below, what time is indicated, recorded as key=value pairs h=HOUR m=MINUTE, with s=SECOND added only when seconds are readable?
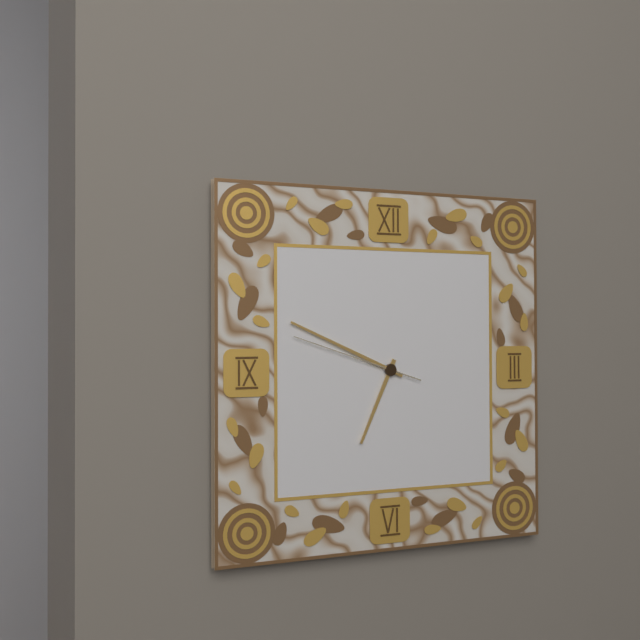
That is h=6 m=49 s=48
